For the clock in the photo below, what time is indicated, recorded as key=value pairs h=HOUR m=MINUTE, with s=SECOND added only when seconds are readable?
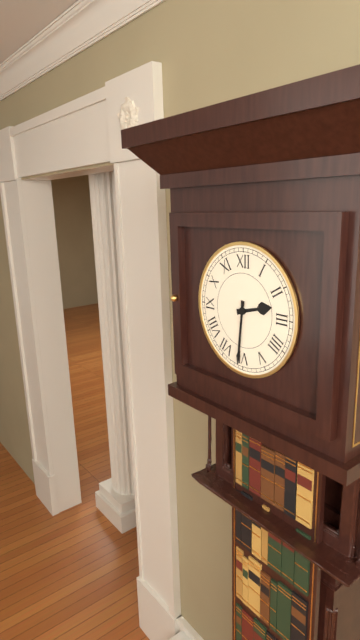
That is h=2 m=31
